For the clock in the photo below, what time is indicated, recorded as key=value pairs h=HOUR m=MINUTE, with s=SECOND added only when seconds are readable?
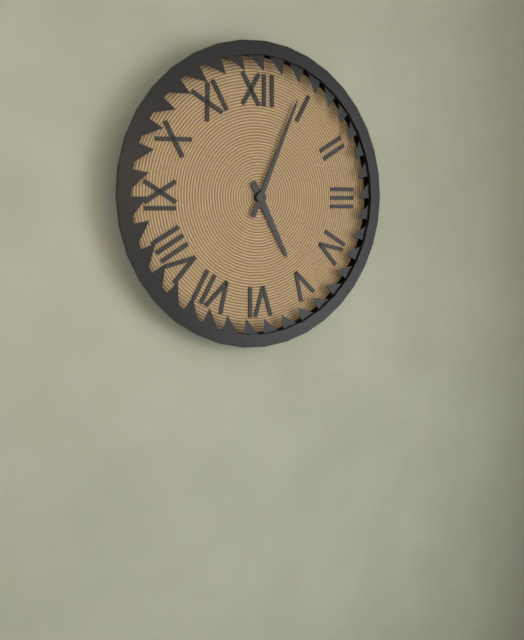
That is h=5 m=4
